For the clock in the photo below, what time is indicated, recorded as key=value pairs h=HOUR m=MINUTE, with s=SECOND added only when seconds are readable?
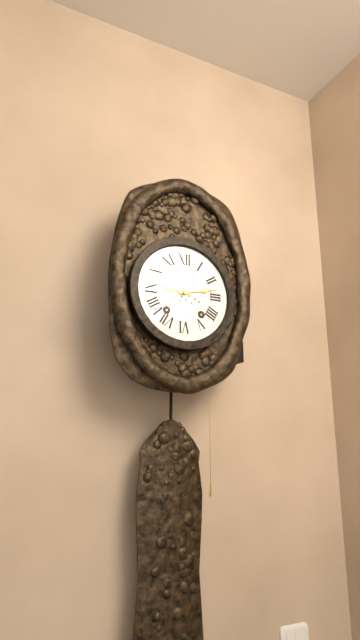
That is h=9 m=13
